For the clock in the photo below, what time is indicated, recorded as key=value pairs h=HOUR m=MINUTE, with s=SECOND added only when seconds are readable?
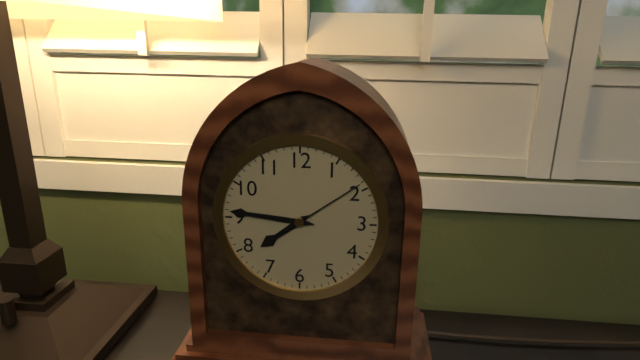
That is h=7 m=46 s=9
